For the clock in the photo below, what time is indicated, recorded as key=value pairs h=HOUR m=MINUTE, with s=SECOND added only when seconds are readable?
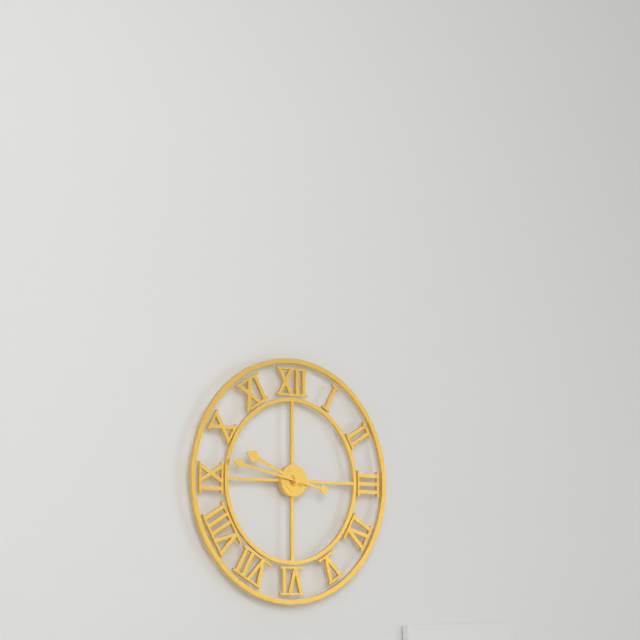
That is h=9 m=47
